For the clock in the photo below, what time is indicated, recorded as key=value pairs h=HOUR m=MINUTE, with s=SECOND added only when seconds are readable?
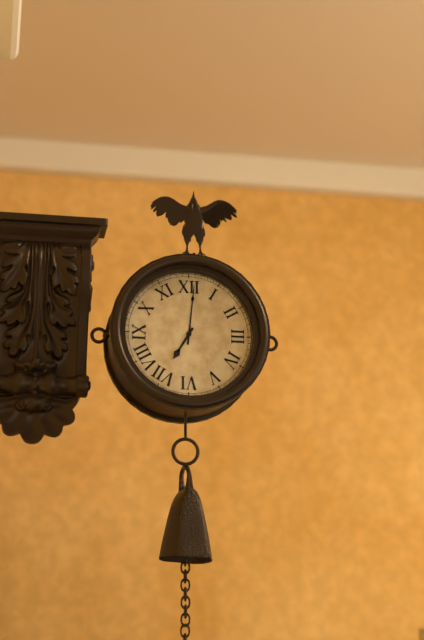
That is h=7 m=1
